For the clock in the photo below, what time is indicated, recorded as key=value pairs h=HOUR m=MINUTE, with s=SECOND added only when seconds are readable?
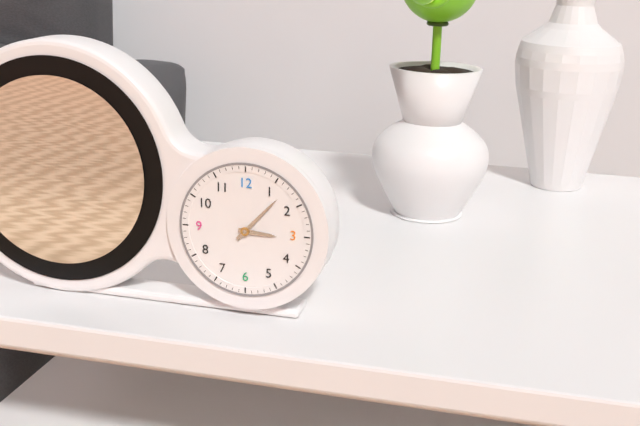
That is h=3 m=7
